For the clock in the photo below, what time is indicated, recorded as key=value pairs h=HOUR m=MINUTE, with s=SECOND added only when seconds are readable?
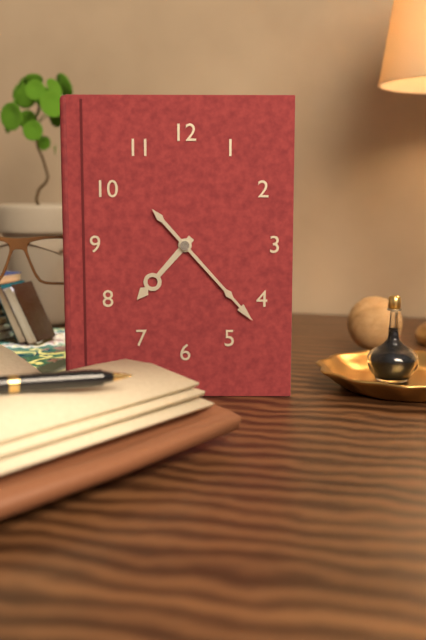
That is h=7 m=23
